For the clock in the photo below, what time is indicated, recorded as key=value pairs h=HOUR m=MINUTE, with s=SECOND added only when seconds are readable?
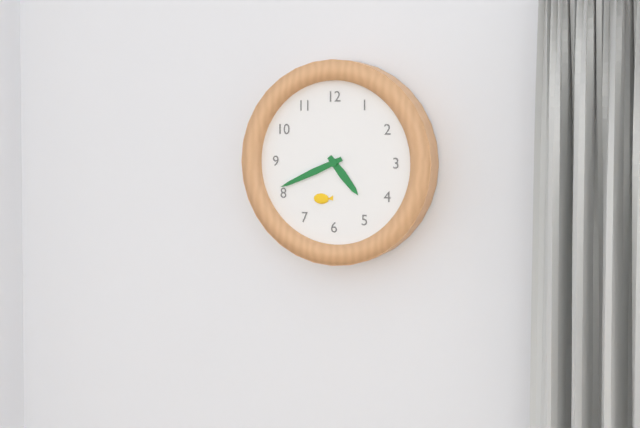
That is h=4 m=41
